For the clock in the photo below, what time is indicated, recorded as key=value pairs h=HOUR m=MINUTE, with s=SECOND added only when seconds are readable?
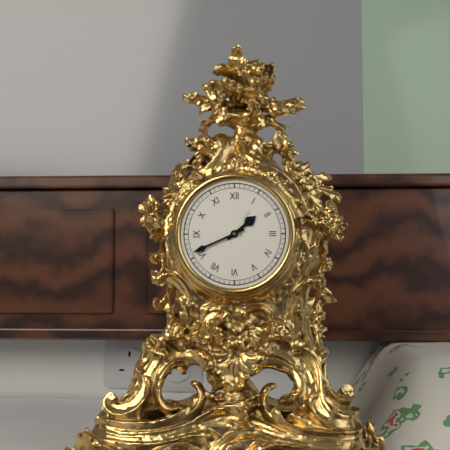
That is h=1 m=41
